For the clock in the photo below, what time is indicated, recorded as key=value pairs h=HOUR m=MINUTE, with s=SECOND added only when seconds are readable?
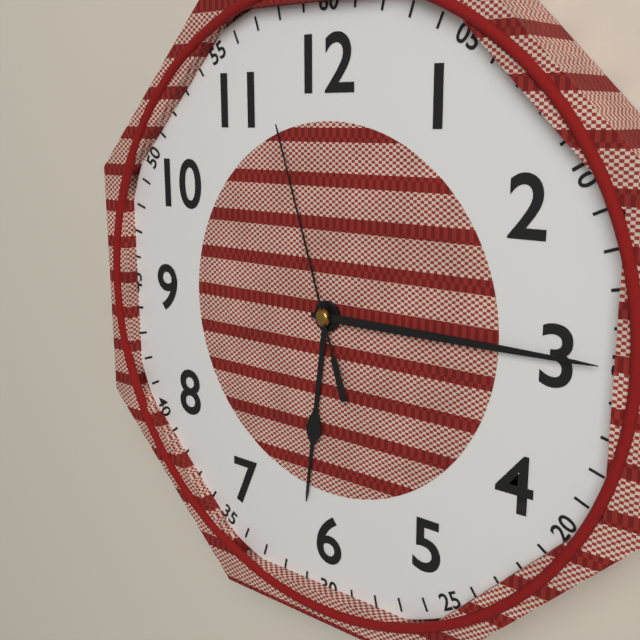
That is h=6 m=15 s=57
